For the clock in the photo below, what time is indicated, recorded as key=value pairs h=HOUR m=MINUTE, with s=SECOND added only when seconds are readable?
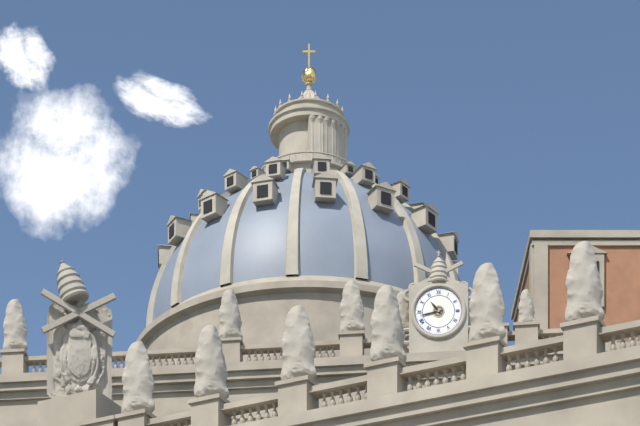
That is h=10 m=43
